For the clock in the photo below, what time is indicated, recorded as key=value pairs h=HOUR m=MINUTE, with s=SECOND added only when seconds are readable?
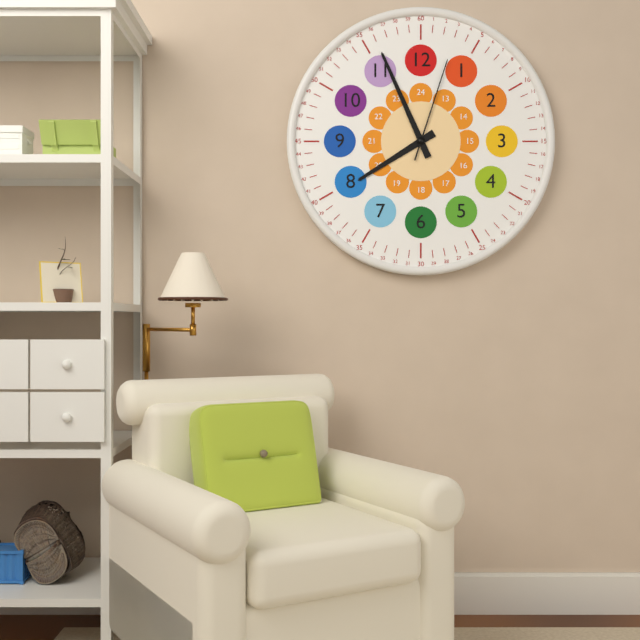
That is h=7 m=56 s=3
